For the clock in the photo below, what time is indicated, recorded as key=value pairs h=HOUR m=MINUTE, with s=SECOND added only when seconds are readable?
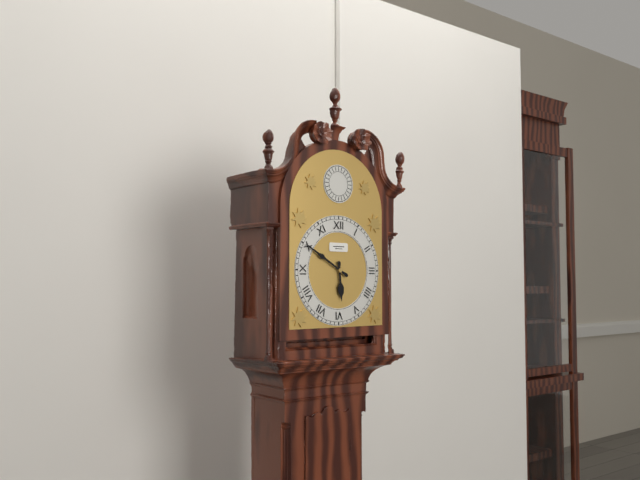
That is h=5 m=50
